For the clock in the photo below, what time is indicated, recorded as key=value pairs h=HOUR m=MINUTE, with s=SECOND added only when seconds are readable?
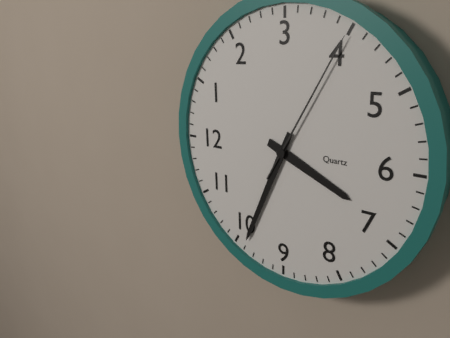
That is h=6 m=49 s=20
